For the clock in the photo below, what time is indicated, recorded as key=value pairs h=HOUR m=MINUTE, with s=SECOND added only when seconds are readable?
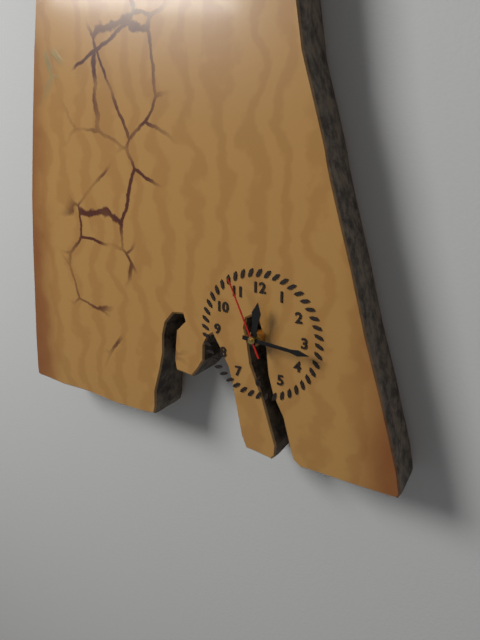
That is h=12 m=16 s=56
